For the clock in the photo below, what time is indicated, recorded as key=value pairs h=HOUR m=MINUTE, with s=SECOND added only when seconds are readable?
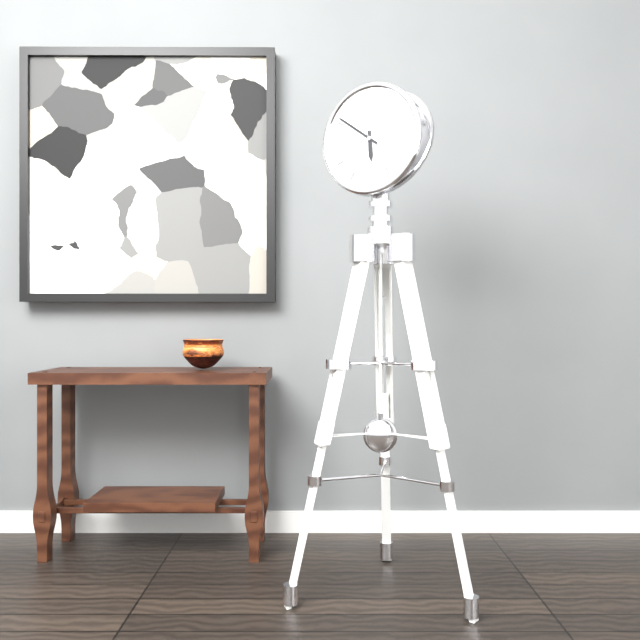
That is h=5 m=51
